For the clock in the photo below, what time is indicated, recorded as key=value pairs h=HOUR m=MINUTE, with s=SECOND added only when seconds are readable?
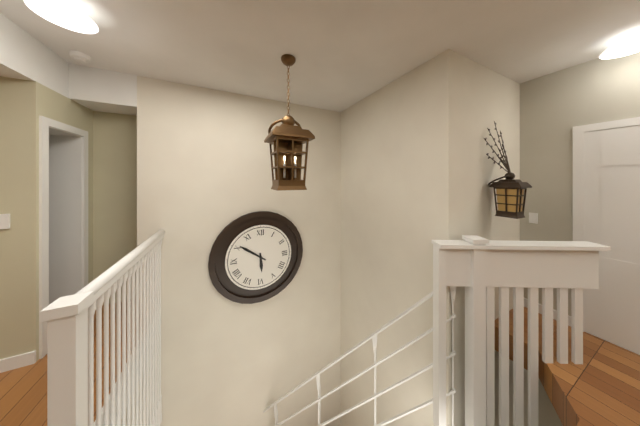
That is h=5 m=51
